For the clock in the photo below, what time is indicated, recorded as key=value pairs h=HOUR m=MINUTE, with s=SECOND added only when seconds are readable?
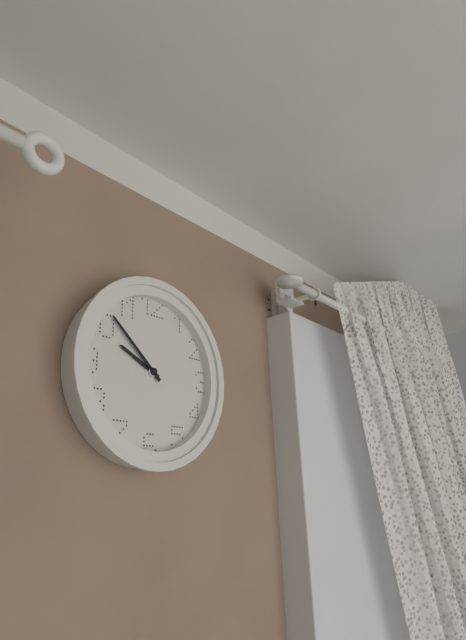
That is h=9 m=52
